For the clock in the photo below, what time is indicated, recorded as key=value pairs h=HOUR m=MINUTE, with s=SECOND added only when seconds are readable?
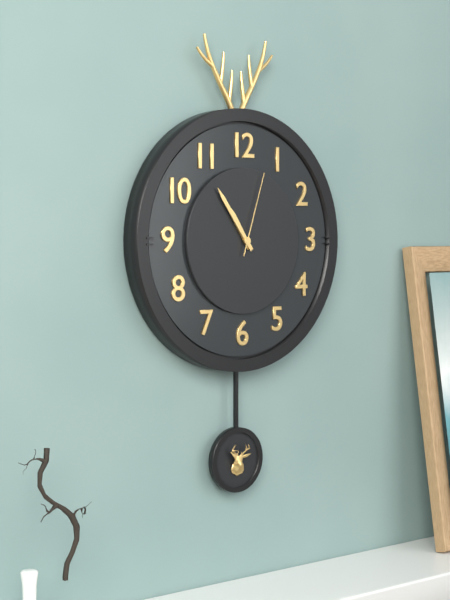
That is h=10 m=54 s=3
